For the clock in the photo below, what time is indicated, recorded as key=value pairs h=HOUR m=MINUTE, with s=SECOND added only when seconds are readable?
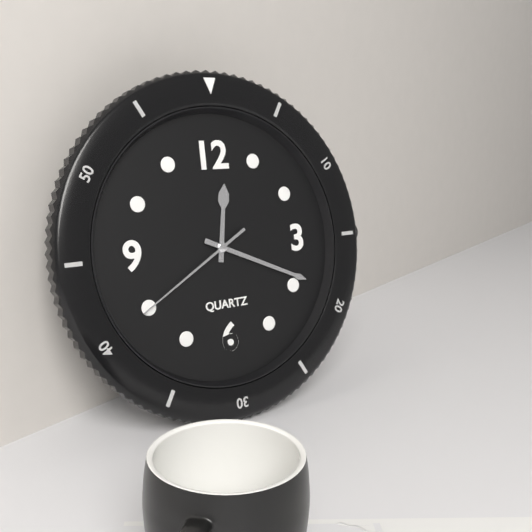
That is h=12 m=19 s=40
